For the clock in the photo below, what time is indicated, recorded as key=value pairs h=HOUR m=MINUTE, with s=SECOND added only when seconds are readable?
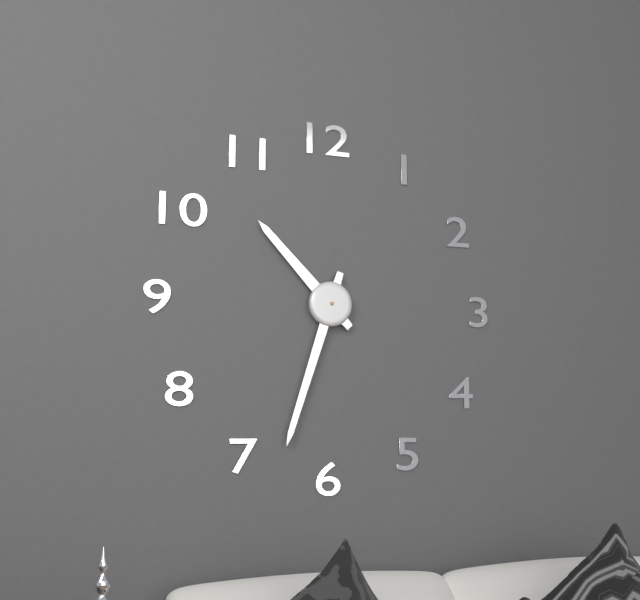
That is h=10 m=33
